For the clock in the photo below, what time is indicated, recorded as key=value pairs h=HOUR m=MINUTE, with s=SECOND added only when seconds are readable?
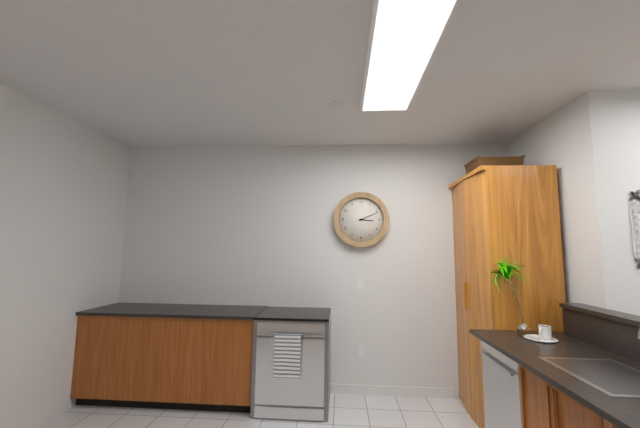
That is h=3 m=11
